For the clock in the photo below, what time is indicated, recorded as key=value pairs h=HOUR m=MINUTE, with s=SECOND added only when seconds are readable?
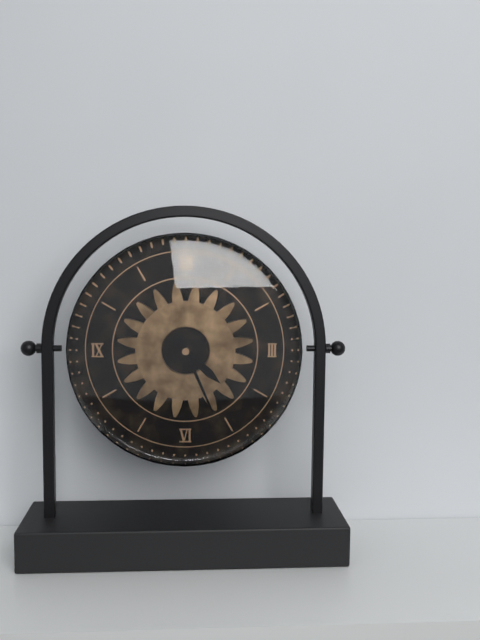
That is h=4 m=26
